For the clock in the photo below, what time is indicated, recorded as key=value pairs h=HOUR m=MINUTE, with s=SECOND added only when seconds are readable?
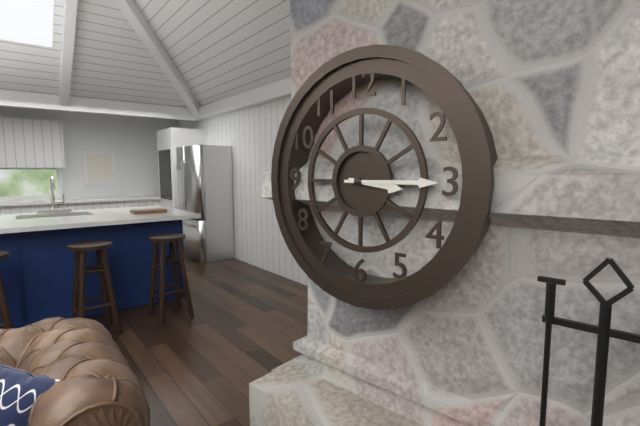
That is h=3 m=15
